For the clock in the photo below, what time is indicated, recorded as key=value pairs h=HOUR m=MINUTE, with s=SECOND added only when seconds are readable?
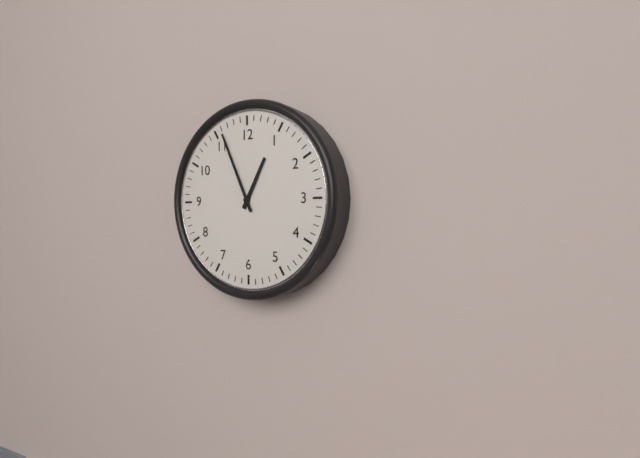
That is h=12 m=56
